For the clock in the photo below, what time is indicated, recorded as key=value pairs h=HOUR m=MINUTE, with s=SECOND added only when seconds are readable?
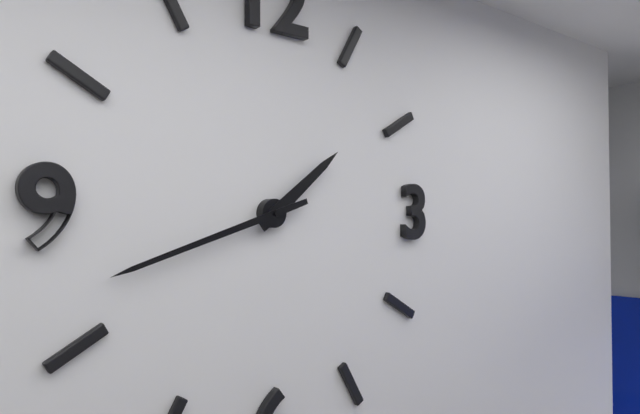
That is h=1 m=42
